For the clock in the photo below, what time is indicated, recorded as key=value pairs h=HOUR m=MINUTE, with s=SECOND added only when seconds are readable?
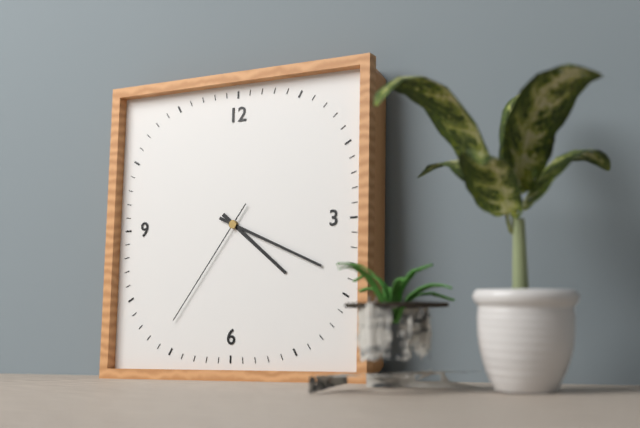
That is h=4 m=19 s=36
